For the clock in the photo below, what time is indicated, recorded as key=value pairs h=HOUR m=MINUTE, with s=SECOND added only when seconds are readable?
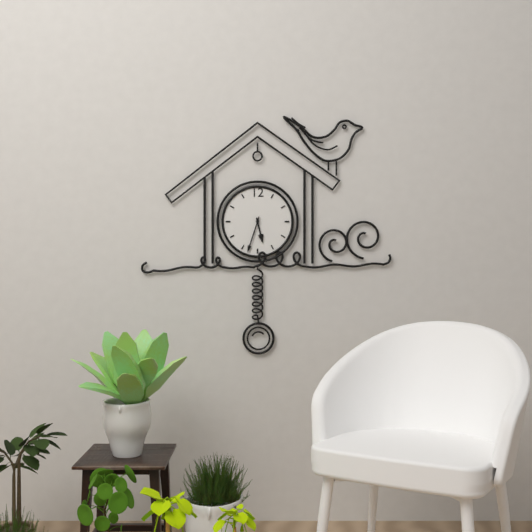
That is h=5 m=33
